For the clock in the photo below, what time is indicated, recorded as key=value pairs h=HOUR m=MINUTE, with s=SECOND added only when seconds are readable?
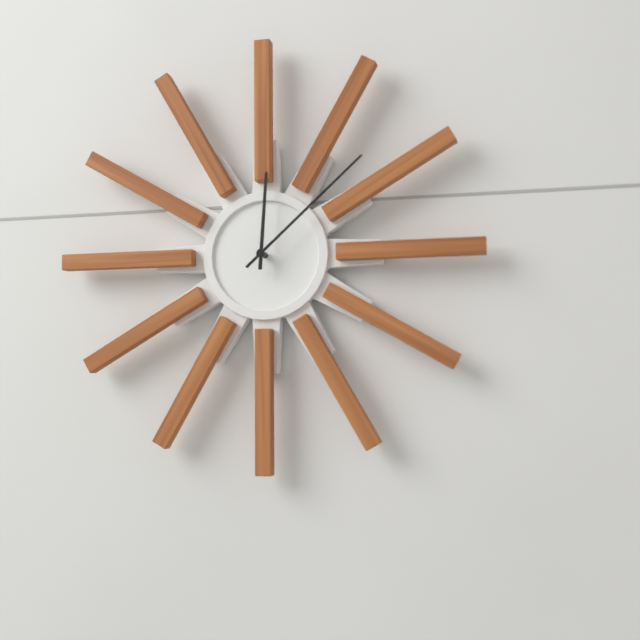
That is h=12 m=8
